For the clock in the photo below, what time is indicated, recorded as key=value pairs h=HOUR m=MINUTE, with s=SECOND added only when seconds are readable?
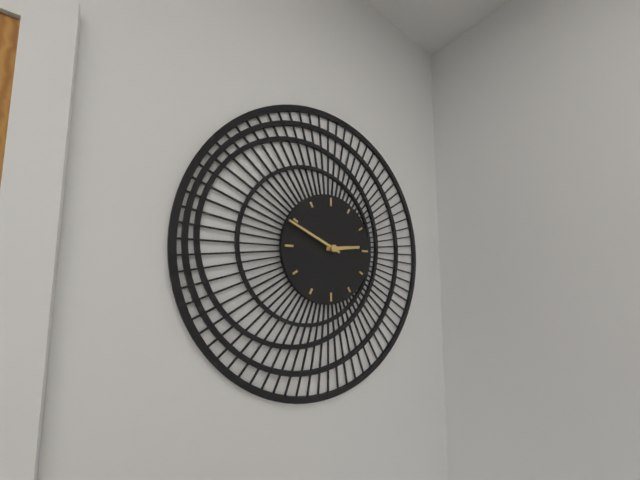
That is h=2 m=49
